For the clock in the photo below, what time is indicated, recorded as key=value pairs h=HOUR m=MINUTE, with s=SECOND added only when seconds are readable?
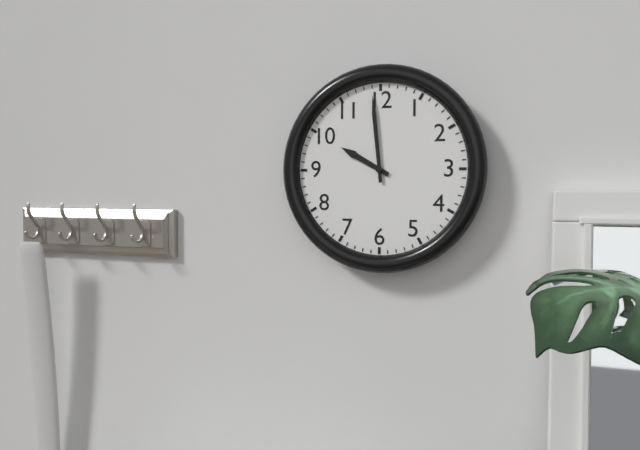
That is h=9 m=59
